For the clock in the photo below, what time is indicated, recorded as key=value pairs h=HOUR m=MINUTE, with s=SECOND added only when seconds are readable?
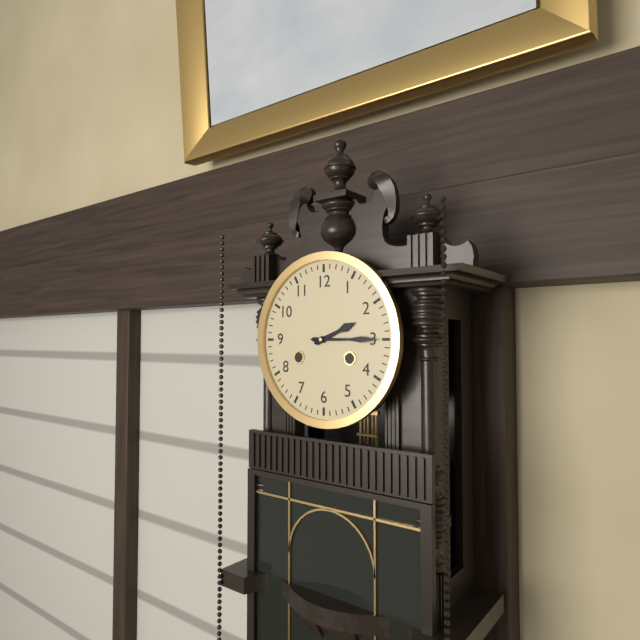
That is h=2 m=15
